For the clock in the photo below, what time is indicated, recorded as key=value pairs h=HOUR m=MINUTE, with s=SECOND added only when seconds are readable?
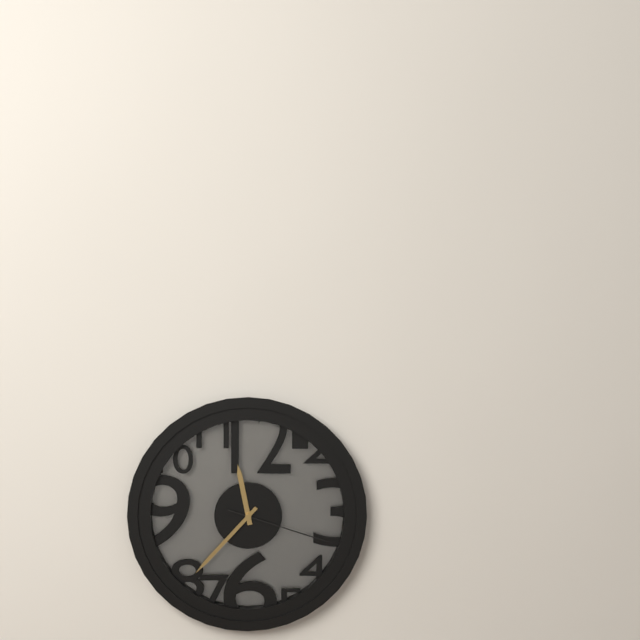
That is h=11 m=37 s=18
